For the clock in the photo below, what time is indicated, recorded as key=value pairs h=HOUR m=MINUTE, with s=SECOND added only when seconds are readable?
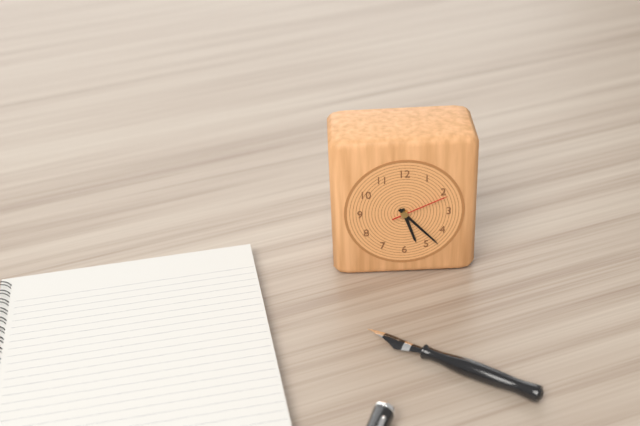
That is h=5 m=23 s=11
